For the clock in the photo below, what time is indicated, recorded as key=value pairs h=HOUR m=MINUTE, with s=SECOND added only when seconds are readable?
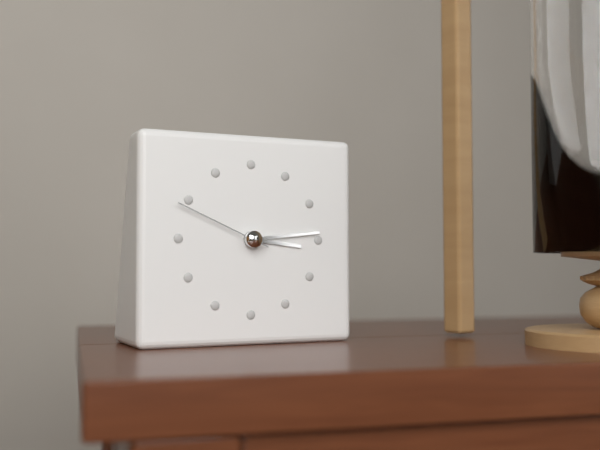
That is h=3 m=14 s=49
